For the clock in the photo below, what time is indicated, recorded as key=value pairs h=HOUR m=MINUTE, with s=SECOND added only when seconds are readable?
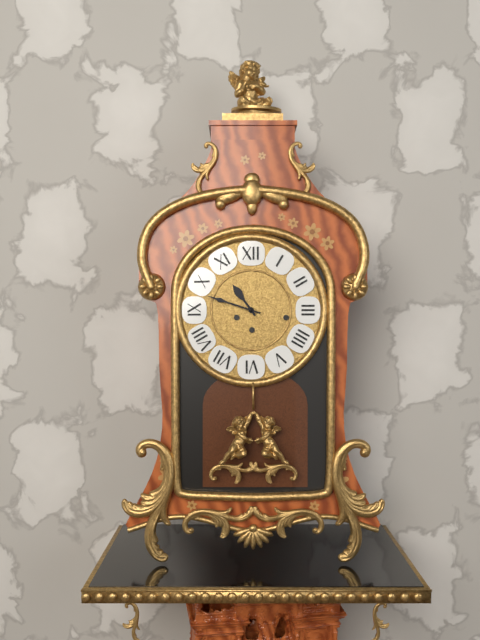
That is h=10 m=48
